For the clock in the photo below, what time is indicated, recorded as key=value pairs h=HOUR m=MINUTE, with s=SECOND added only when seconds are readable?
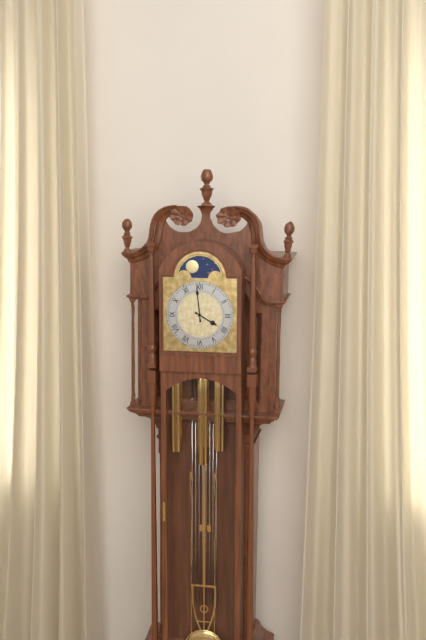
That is h=3 m=59
